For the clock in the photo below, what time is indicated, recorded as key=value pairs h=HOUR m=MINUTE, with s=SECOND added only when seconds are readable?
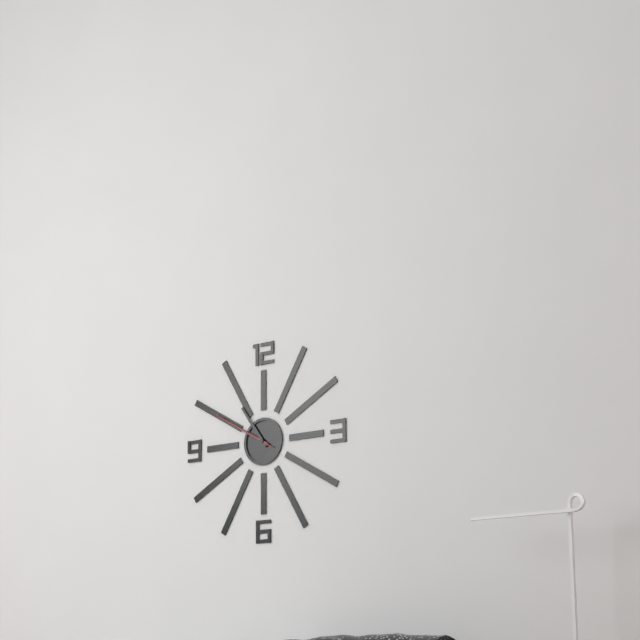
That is h=10 m=50 s=50
